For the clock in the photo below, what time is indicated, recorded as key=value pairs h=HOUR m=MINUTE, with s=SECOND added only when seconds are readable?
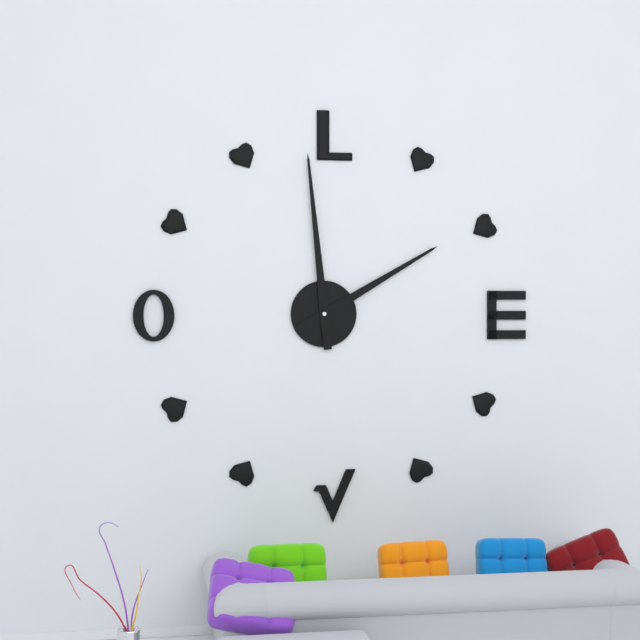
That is h=1 m=59
